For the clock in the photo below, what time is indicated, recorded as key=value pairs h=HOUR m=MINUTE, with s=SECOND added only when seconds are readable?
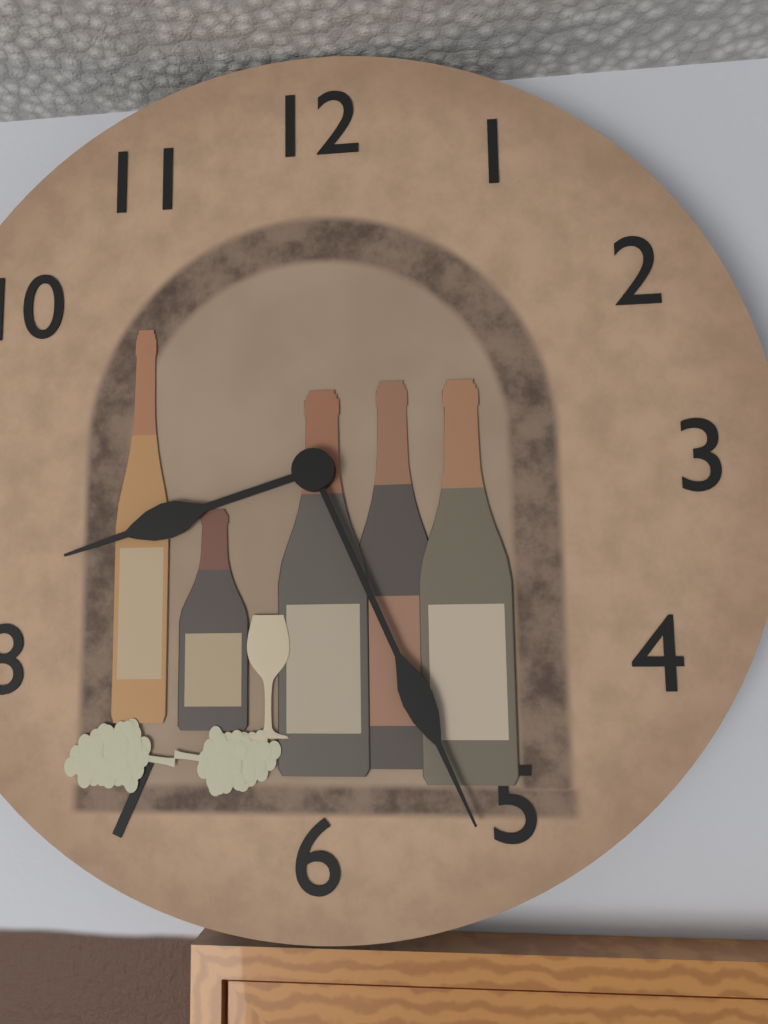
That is h=8 m=26
